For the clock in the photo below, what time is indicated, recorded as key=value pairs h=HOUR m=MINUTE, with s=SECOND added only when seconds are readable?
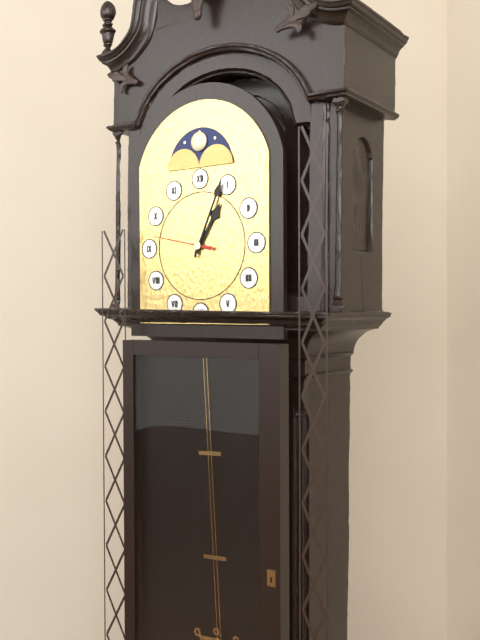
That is h=1 m=4 s=47
